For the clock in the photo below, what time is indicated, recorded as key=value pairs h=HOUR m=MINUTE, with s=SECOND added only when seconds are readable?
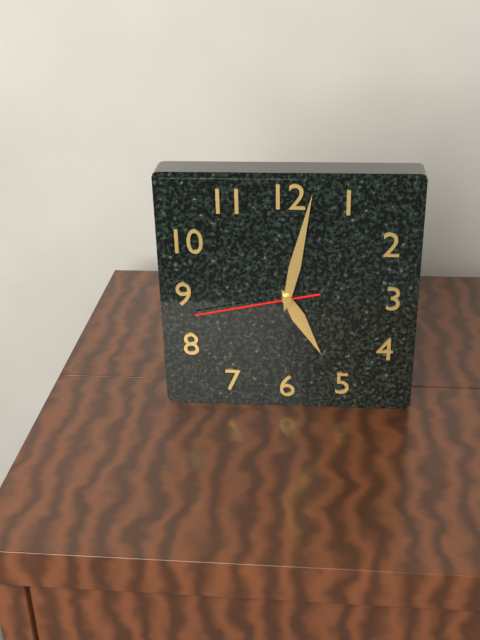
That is h=5 m=2 s=43
